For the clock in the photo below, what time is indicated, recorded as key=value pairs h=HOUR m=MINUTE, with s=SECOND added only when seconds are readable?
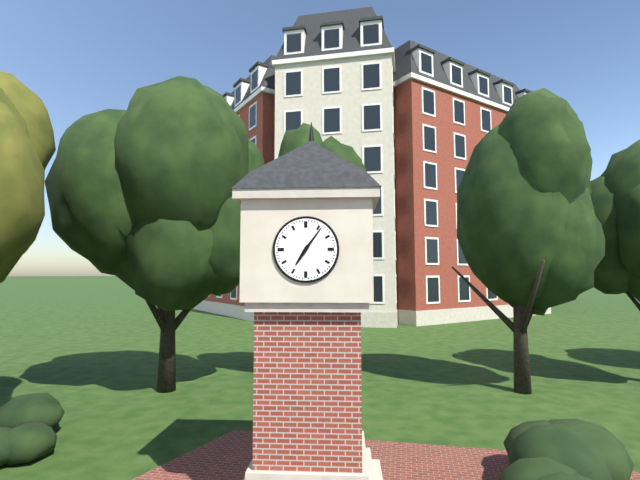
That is h=7 m=6
